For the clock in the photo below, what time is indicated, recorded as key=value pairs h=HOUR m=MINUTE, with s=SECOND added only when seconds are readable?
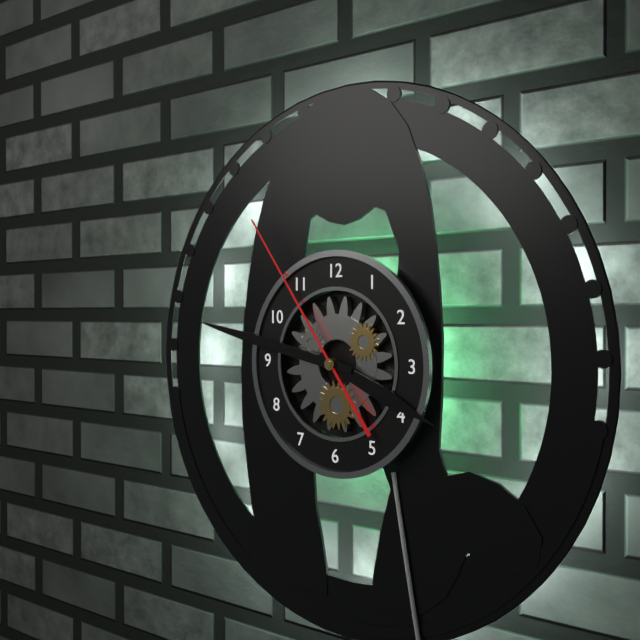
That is h=3 m=47 s=54
